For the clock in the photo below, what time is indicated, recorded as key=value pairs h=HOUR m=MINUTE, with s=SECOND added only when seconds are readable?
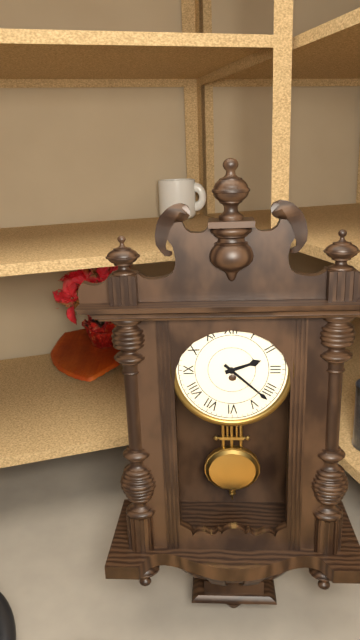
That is h=2 m=22
